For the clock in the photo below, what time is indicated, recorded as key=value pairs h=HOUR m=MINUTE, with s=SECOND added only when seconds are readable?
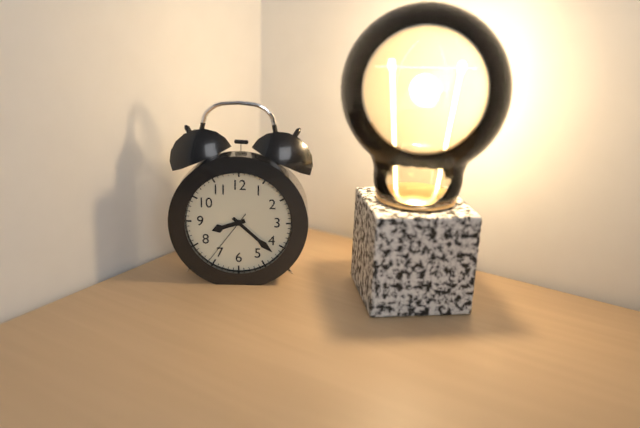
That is h=8 m=22 s=36
